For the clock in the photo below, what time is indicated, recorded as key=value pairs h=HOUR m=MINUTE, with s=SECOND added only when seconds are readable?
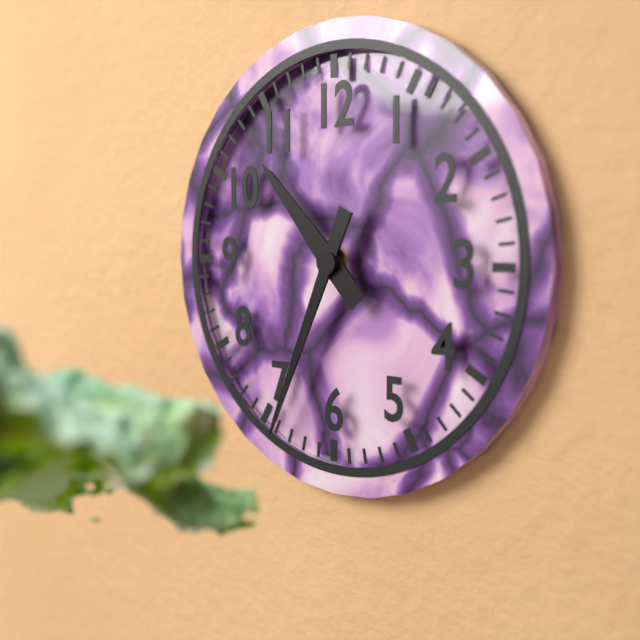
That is h=10 m=34
